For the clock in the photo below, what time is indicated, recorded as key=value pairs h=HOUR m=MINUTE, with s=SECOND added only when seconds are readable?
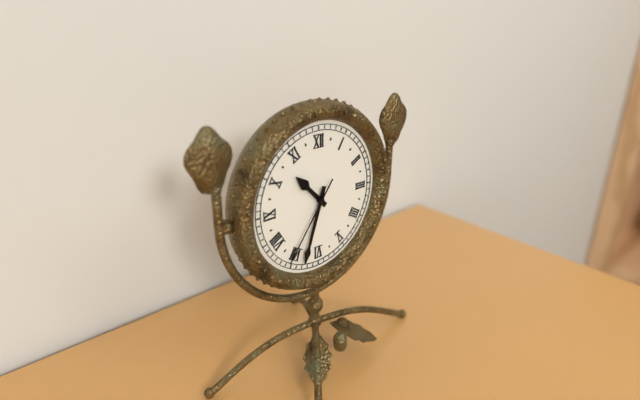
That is h=10 m=33 s=36
